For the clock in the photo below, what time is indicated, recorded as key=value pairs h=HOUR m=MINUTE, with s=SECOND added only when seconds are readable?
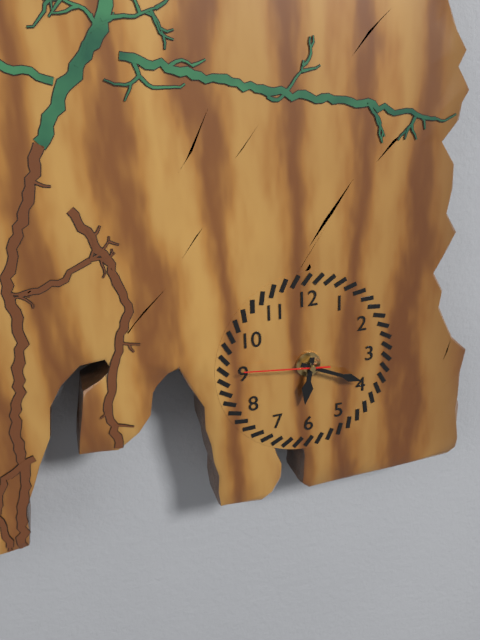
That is h=6 m=19 s=46
